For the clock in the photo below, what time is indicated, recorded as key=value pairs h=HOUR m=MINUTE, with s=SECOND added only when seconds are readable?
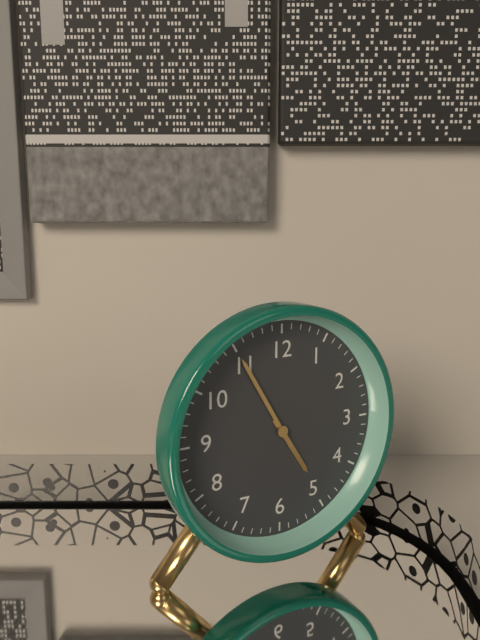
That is h=4 m=55
